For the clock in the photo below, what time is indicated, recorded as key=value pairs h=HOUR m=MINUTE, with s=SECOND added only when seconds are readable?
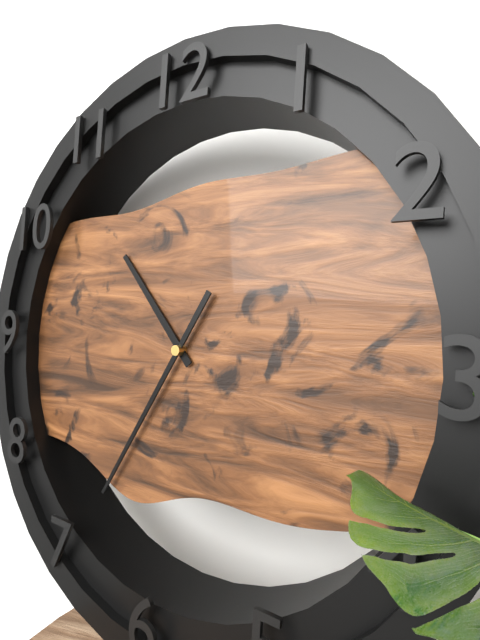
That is h=10 m=35
